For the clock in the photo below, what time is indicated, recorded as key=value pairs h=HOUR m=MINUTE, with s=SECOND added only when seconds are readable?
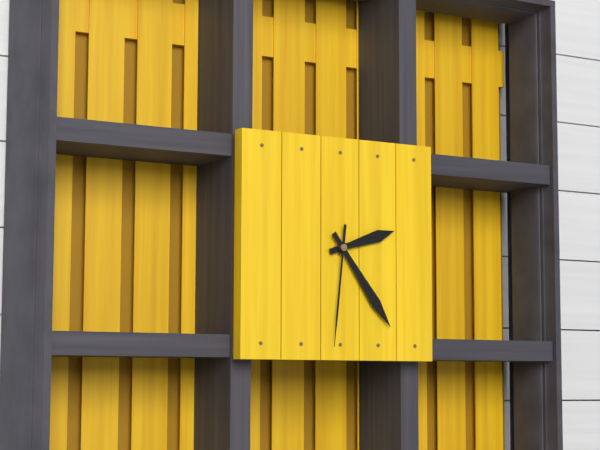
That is h=2 m=24 s=31
